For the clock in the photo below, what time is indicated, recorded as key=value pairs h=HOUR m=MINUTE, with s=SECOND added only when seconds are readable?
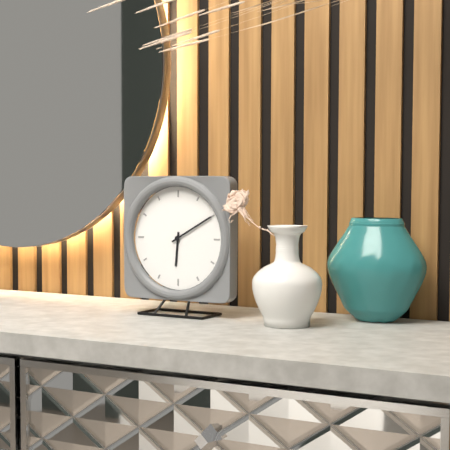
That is h=6 m=10
